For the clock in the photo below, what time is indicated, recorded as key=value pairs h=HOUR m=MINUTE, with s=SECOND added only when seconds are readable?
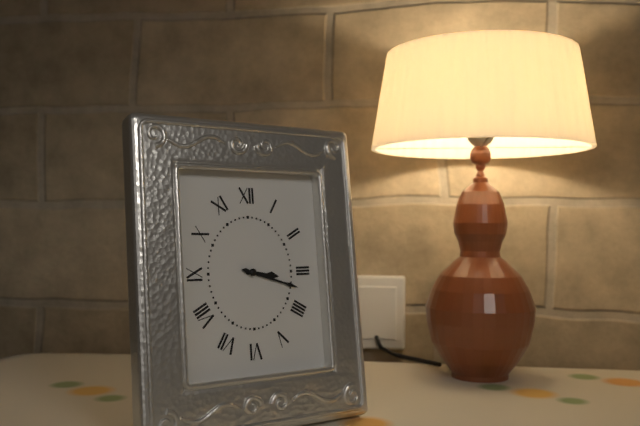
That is h=3 m=18
